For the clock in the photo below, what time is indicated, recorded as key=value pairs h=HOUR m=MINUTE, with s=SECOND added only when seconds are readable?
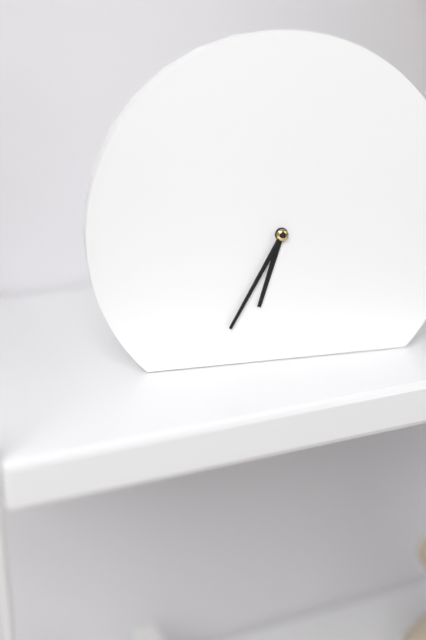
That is h=6 m=35
